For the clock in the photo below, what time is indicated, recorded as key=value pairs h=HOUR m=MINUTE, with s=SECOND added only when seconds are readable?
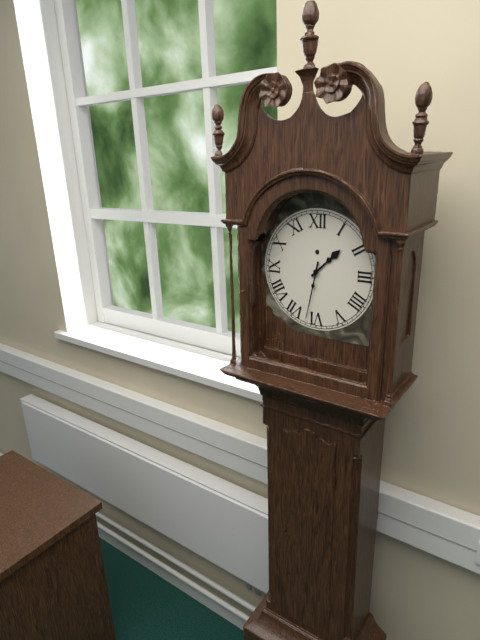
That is h=1 m=32
